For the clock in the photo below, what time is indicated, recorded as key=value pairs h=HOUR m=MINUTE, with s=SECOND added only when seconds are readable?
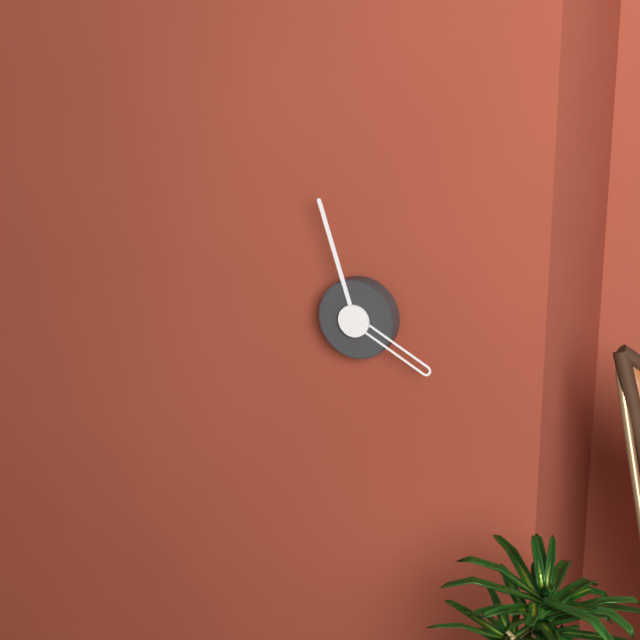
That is h=3 m=57
